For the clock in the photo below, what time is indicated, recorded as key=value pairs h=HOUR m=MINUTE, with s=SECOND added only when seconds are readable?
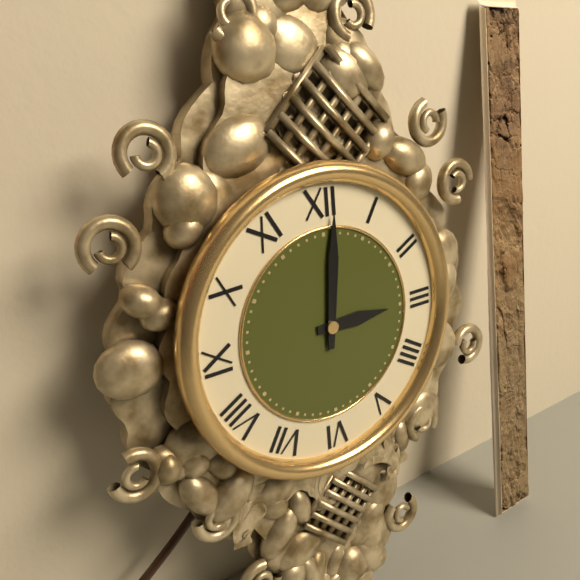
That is h=3 m=1
